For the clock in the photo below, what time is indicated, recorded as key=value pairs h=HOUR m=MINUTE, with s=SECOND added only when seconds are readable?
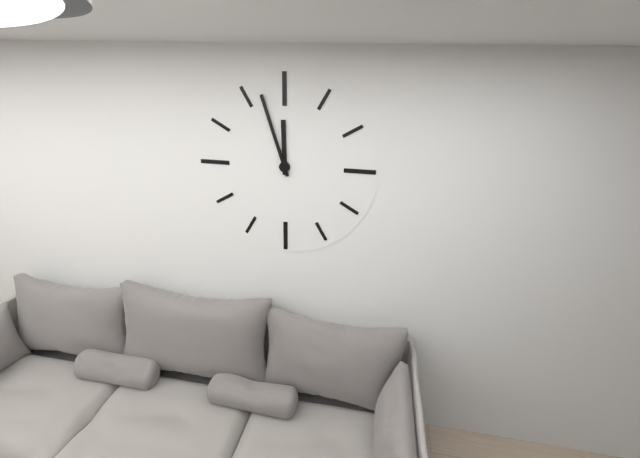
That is h=11 m=57
